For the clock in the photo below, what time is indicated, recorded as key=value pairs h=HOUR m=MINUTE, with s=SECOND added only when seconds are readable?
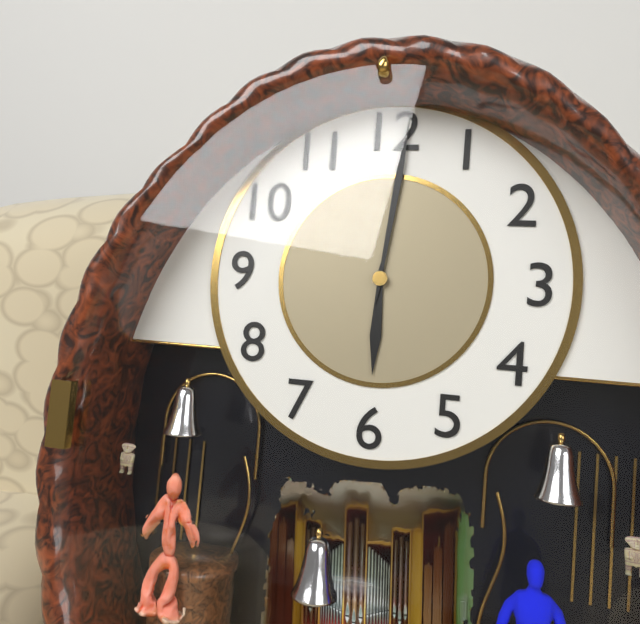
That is h=6 m=1
